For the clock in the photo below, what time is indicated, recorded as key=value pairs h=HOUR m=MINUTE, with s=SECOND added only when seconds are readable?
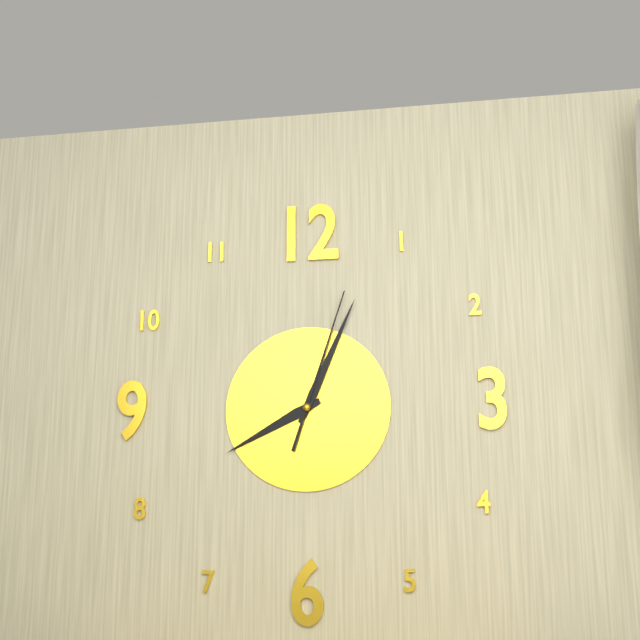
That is h=8 m=4 s=3
